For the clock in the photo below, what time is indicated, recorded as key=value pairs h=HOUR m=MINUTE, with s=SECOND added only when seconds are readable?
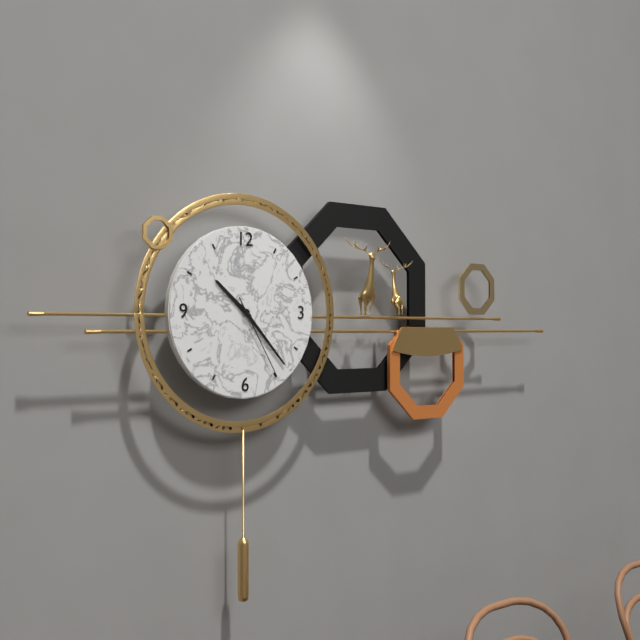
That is h=10 m=23 s=25
